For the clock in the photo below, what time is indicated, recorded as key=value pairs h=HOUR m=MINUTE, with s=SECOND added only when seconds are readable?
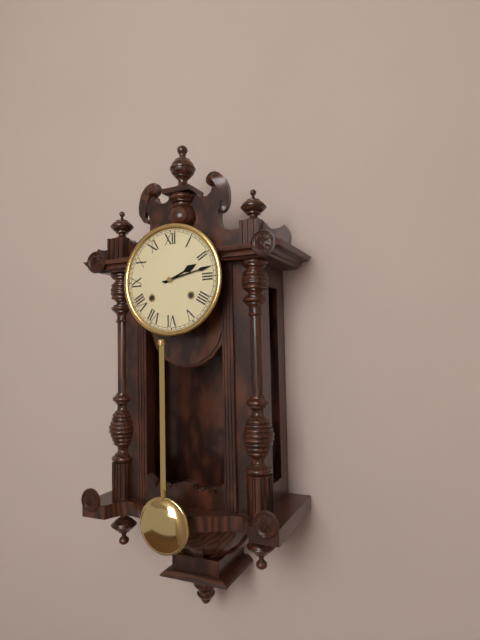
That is h=2 m=13
